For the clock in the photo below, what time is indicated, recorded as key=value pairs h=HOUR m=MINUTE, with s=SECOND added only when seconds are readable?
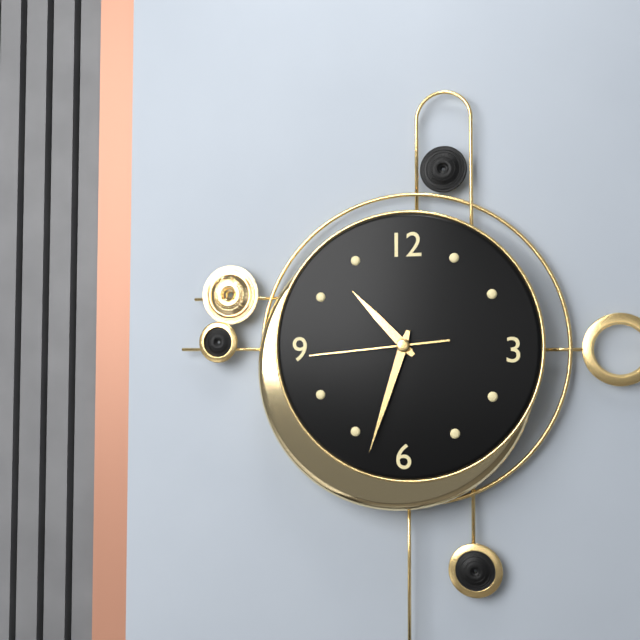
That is h=10 m=33 s=44
